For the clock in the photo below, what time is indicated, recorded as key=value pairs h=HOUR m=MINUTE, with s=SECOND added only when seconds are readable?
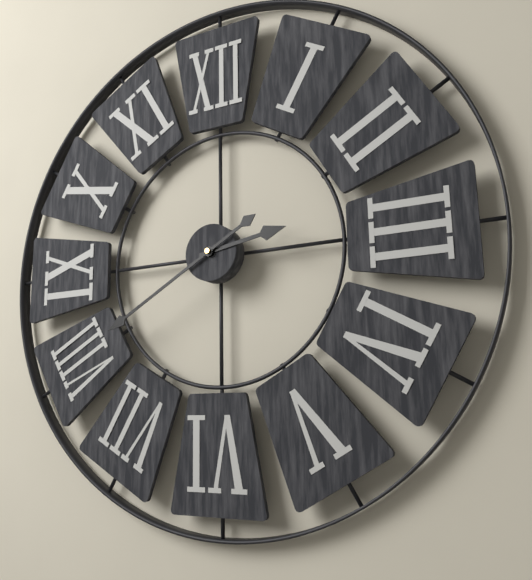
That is h=2 m=40
